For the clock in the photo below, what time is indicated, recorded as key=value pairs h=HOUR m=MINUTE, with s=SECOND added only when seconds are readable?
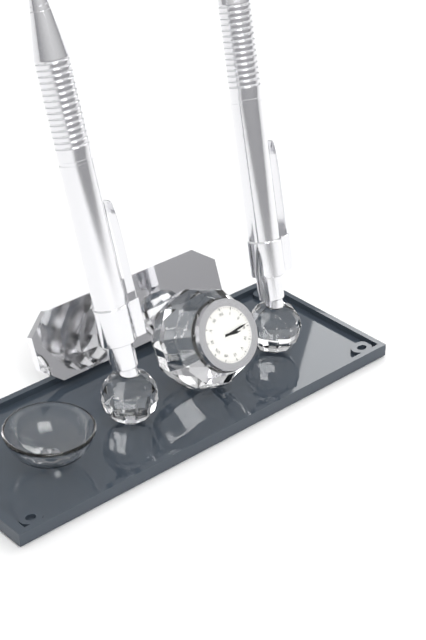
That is h=3 m=14
